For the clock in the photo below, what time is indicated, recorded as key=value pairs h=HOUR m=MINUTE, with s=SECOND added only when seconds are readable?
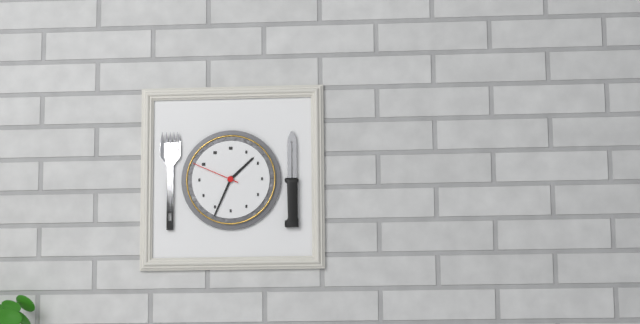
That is h=1 m=34 s=49
